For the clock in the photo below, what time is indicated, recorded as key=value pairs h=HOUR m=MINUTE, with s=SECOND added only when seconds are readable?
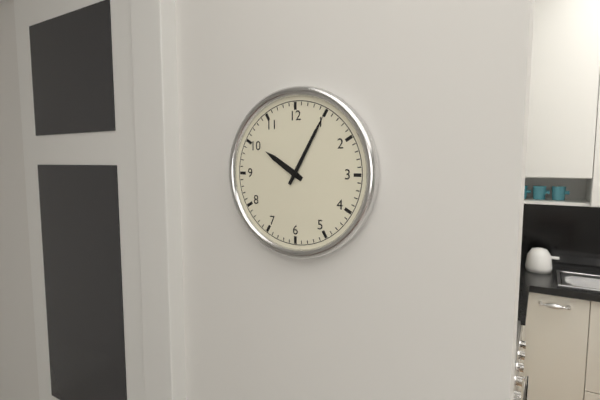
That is h=10 m=5
